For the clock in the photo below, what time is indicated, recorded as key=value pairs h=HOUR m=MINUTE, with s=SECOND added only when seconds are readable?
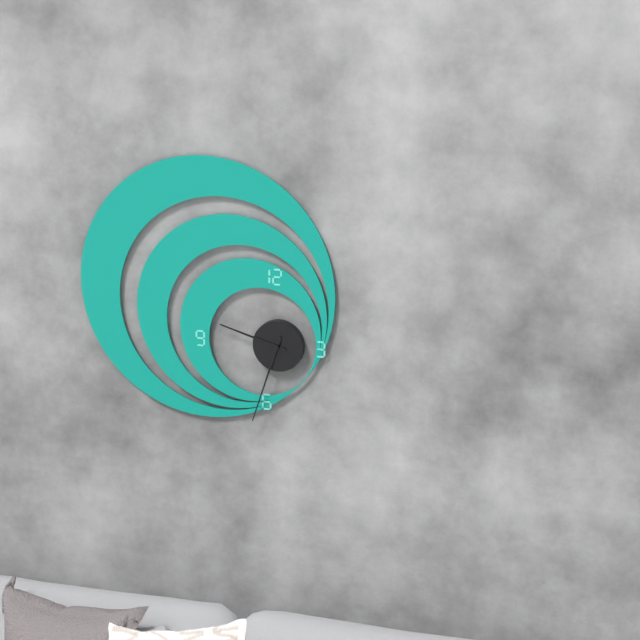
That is h=9 m=33
